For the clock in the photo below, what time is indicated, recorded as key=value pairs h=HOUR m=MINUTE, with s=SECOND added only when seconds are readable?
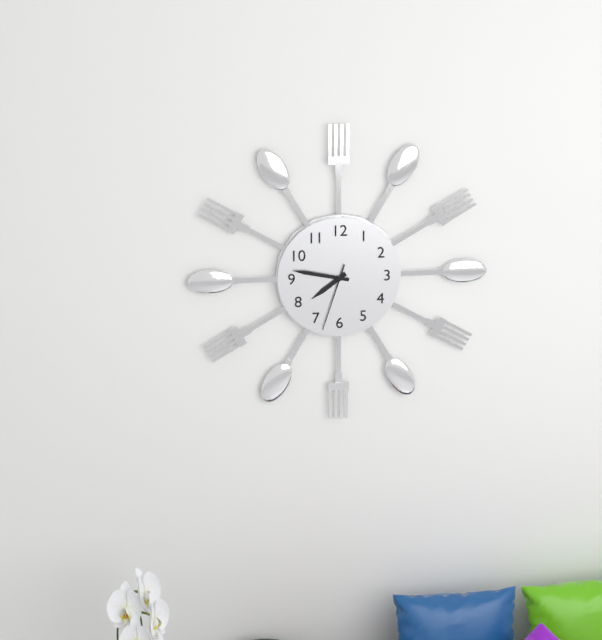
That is h=7 m=47 s=33
